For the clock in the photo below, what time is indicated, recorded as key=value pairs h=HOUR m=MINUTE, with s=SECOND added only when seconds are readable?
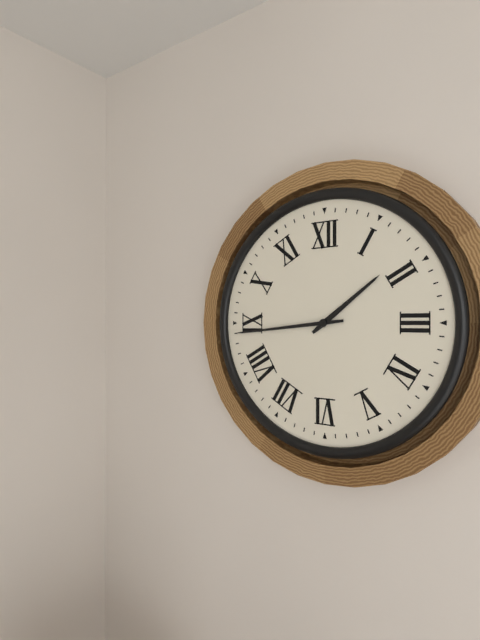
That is h=1 m=44
